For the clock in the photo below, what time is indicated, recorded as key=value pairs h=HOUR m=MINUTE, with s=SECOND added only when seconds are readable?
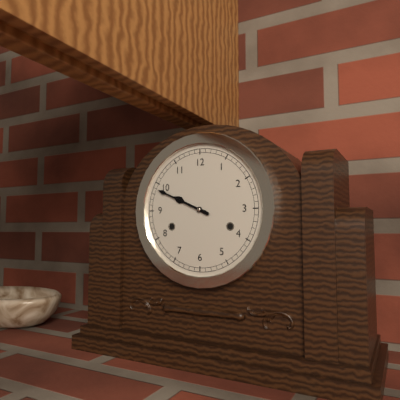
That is h=9 m=49
